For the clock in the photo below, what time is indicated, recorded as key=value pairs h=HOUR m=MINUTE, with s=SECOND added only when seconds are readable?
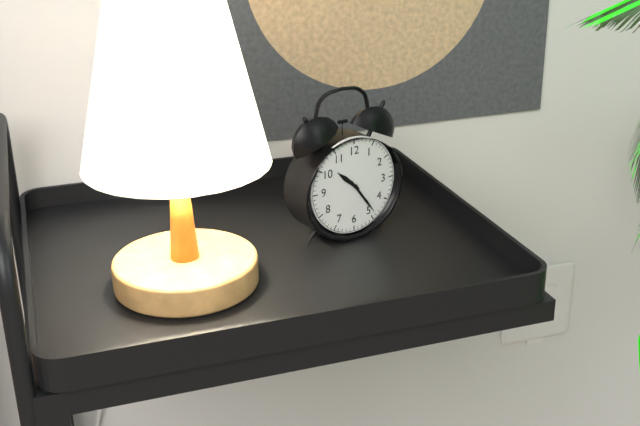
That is h=10 m=24
